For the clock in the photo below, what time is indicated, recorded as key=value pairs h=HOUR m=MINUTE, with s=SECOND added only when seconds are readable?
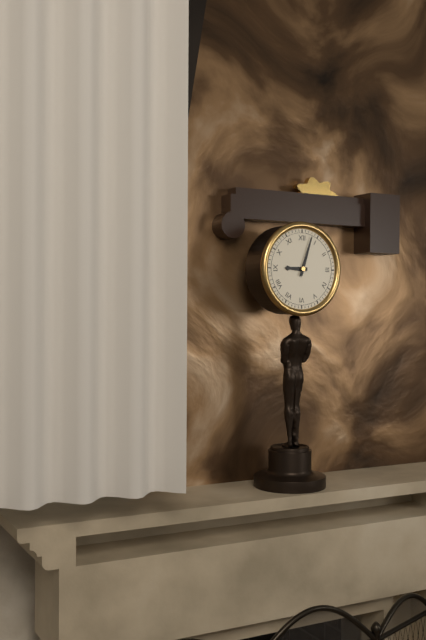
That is h=9 m=3
